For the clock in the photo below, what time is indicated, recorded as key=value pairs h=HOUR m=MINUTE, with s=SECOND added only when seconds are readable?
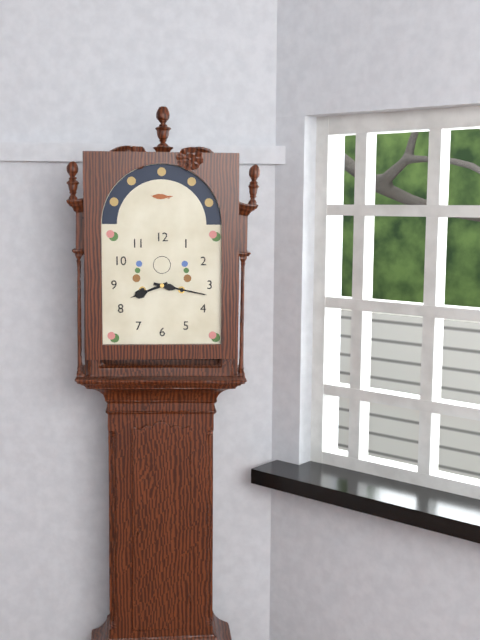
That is h=8 m=17
